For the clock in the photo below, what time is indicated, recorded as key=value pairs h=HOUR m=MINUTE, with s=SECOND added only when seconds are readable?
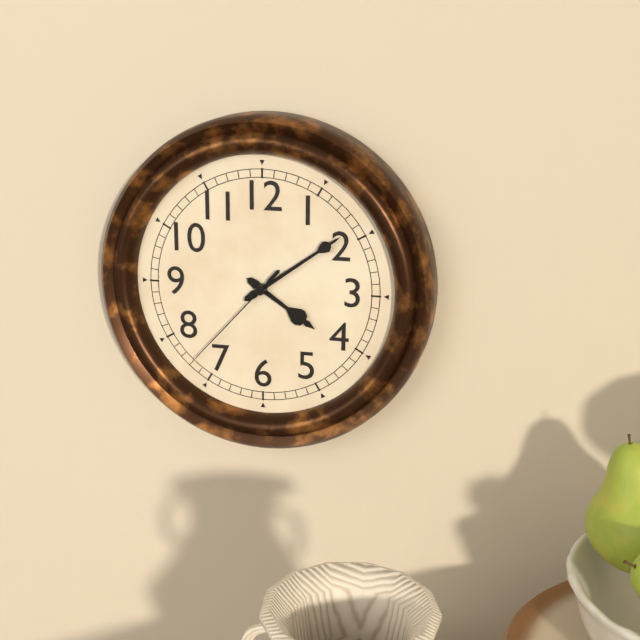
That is h=4 m=9 s=37
